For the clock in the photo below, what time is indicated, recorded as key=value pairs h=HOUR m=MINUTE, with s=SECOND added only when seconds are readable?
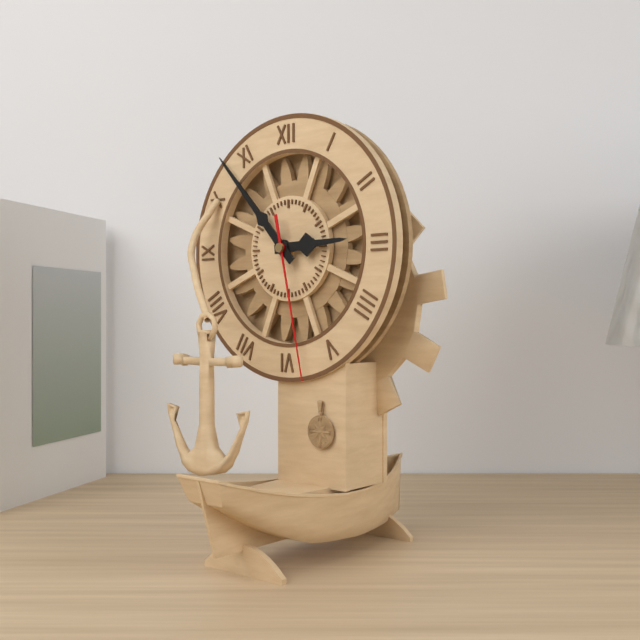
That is h=2 m=53 s=28
